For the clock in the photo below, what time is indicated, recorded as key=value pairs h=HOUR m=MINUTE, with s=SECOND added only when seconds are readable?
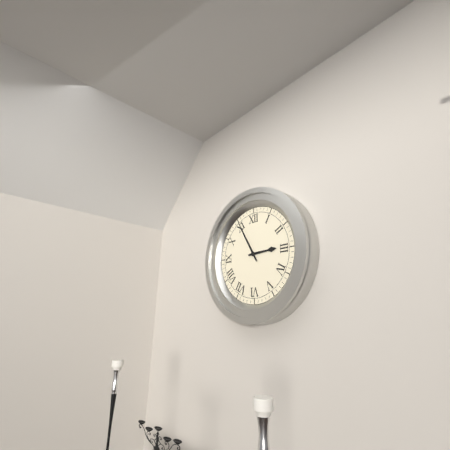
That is h=2 m=55
